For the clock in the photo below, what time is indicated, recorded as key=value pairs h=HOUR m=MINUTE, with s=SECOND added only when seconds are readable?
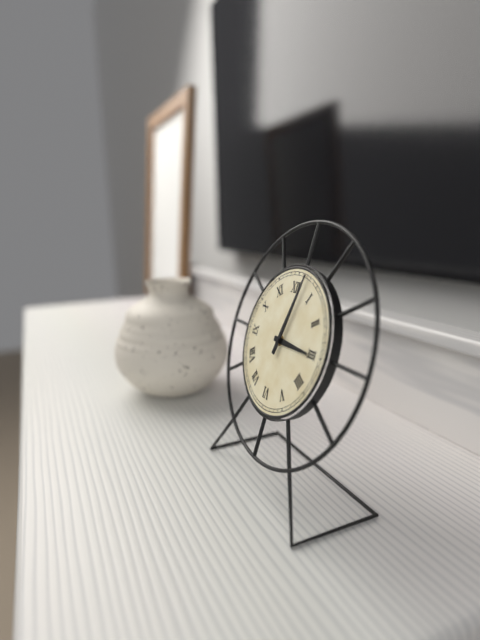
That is h=3 m=2
